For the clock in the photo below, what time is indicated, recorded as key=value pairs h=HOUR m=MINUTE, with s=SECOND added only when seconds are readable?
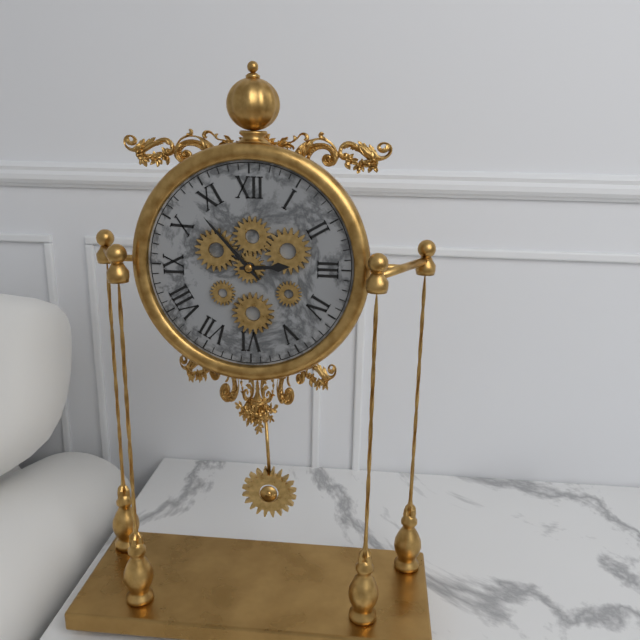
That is h=2 m=53
